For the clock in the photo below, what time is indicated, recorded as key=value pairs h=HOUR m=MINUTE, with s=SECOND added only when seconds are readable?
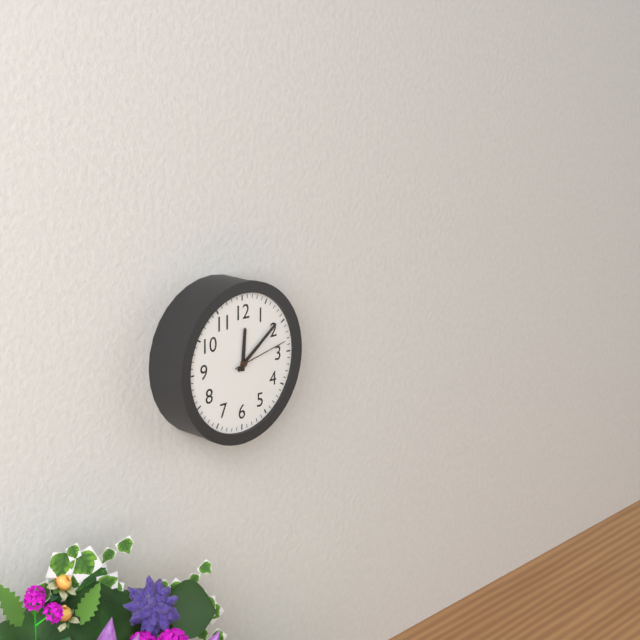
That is h=12 m=9 s=13
